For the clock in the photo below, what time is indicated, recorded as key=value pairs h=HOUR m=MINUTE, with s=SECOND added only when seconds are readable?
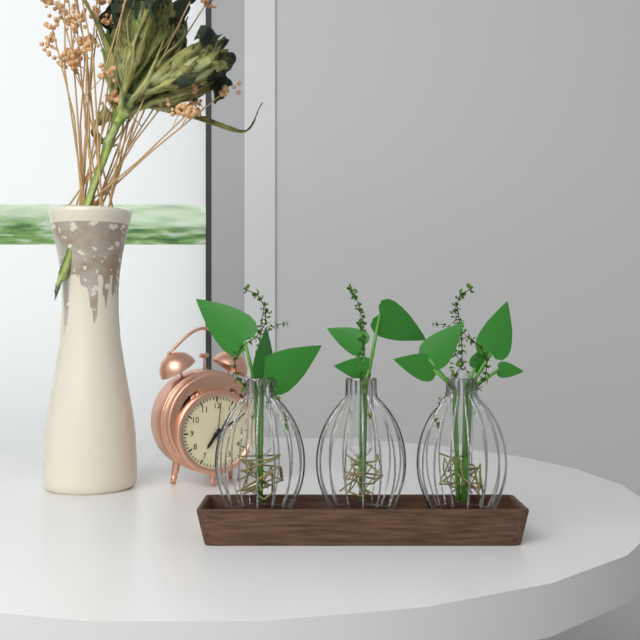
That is h=7 m=10
